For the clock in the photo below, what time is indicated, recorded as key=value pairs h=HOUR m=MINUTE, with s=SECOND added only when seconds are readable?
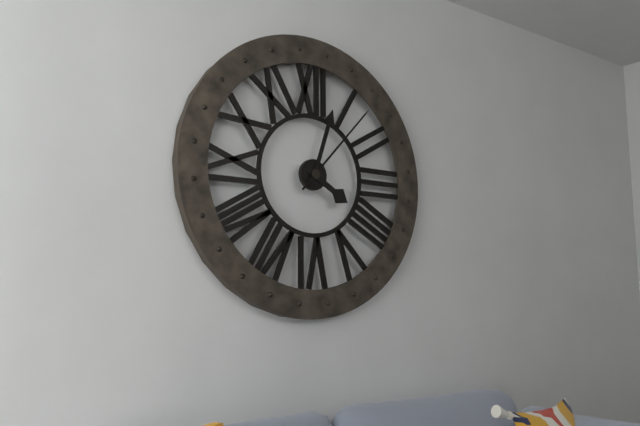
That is h=4 m=3 s=7
